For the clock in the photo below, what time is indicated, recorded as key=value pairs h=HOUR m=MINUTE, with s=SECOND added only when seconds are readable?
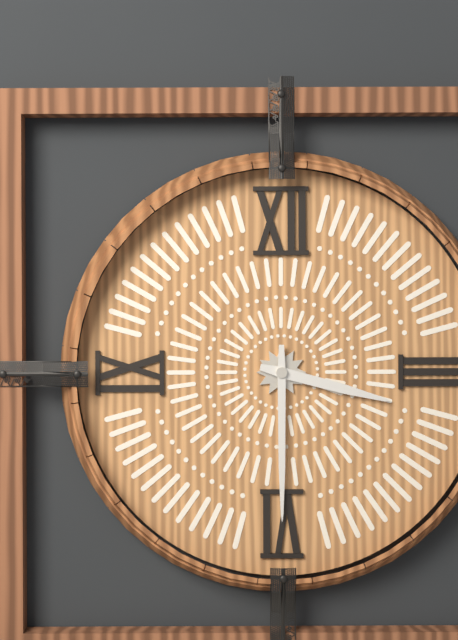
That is h=3 m=30
